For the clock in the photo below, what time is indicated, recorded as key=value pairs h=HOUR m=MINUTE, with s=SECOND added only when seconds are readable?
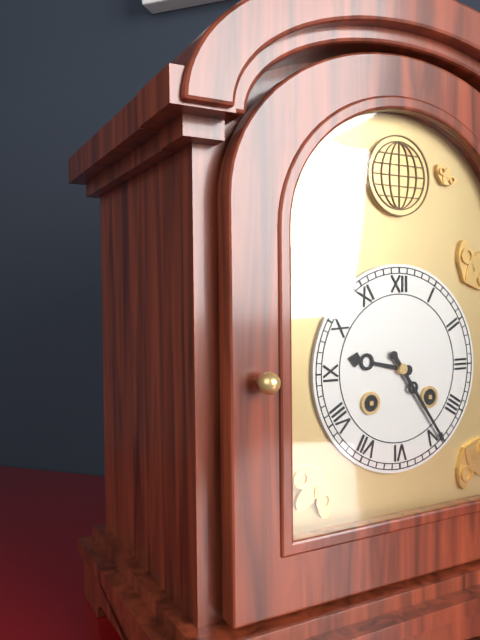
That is h=9 m=24
